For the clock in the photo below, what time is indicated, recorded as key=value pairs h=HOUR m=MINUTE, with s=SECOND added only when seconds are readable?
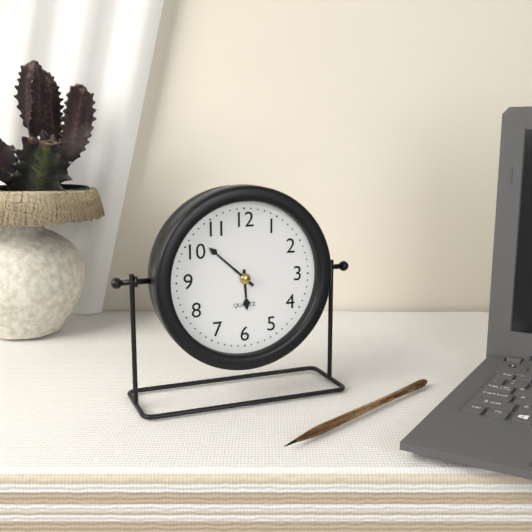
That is h=5 m=52
